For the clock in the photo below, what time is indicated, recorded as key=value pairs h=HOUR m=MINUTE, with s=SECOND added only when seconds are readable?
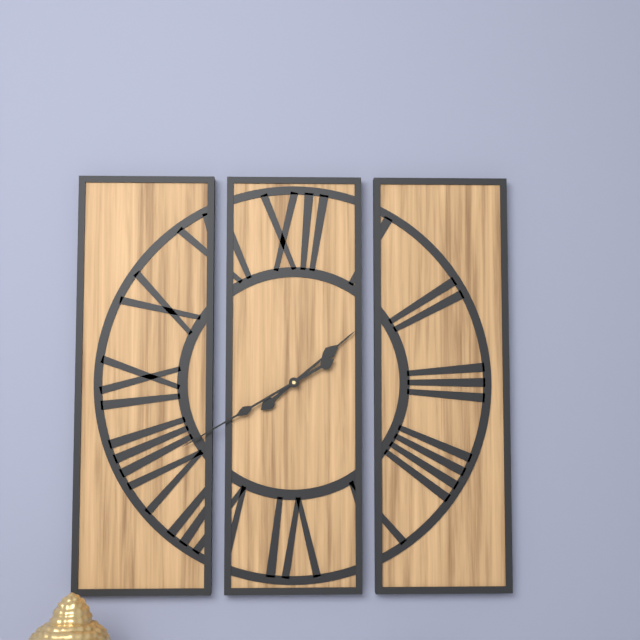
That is h=1 m=40
